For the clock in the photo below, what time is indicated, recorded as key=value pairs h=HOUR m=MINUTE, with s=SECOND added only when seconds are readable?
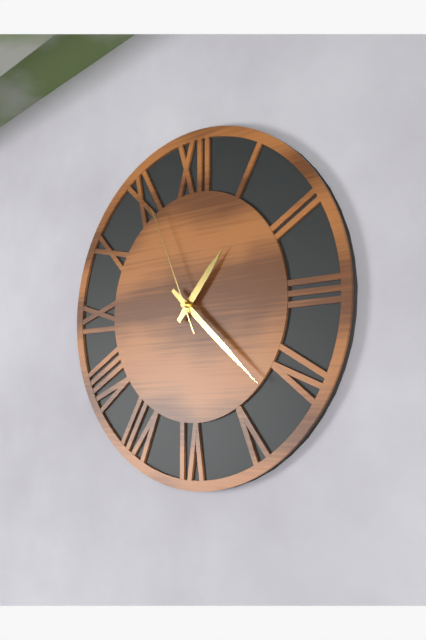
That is h=1 m=22 s=56
